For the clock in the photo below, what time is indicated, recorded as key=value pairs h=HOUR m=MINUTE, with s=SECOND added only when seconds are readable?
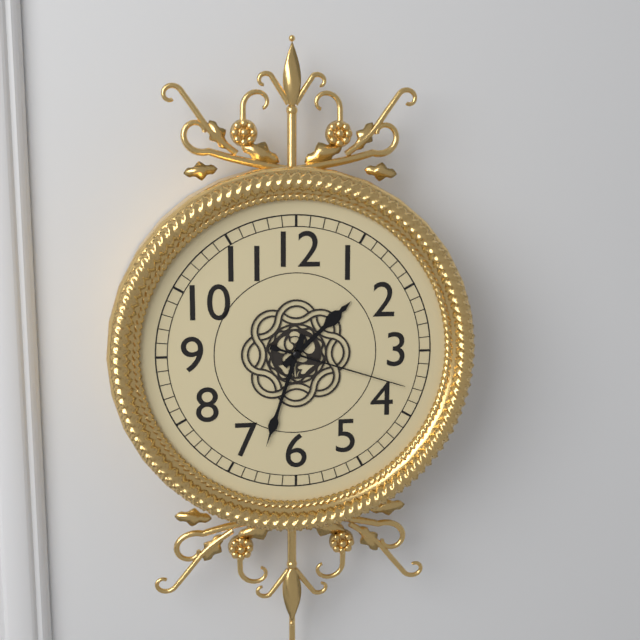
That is h=1 m=33 s=18
